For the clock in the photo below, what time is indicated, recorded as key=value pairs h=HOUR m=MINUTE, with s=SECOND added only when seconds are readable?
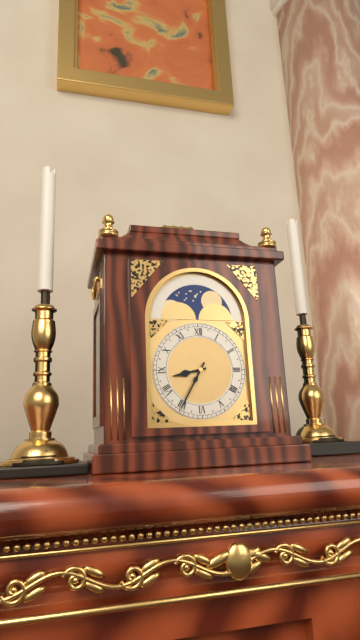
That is h=8 m=35
